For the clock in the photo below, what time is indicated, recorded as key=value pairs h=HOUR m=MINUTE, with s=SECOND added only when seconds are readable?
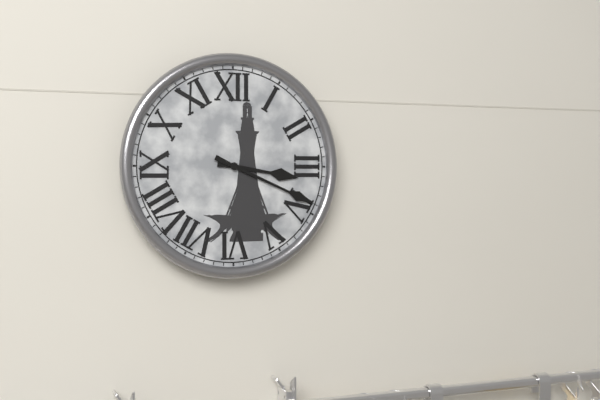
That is h=3 m=19
